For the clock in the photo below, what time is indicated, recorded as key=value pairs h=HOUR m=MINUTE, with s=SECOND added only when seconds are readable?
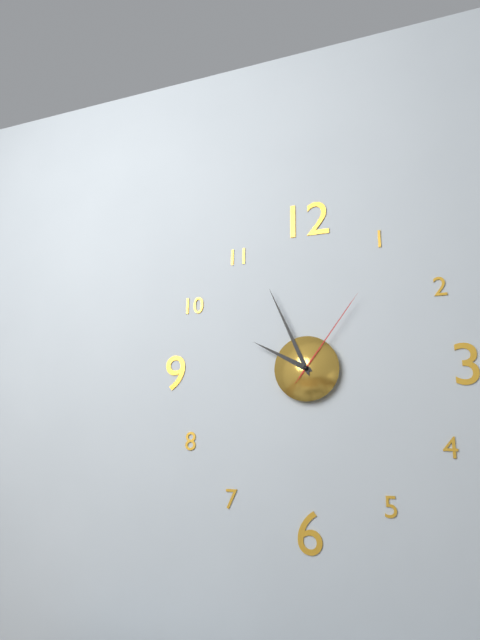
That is h=9 m=56 s=6
